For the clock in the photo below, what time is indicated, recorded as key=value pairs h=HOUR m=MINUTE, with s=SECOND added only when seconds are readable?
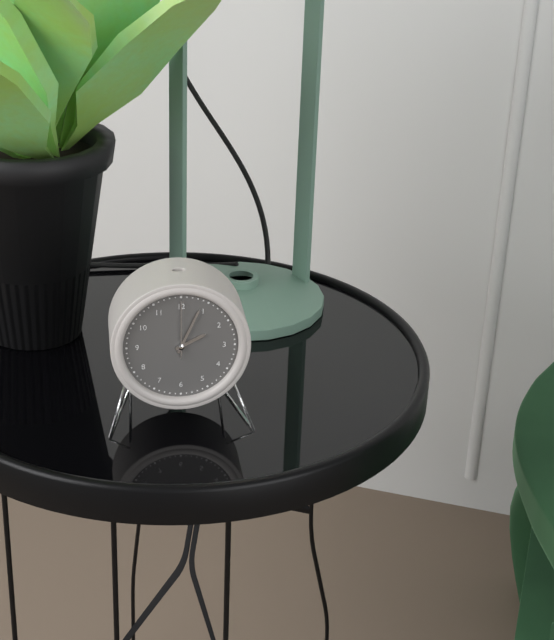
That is h=2 m=4 s=0
